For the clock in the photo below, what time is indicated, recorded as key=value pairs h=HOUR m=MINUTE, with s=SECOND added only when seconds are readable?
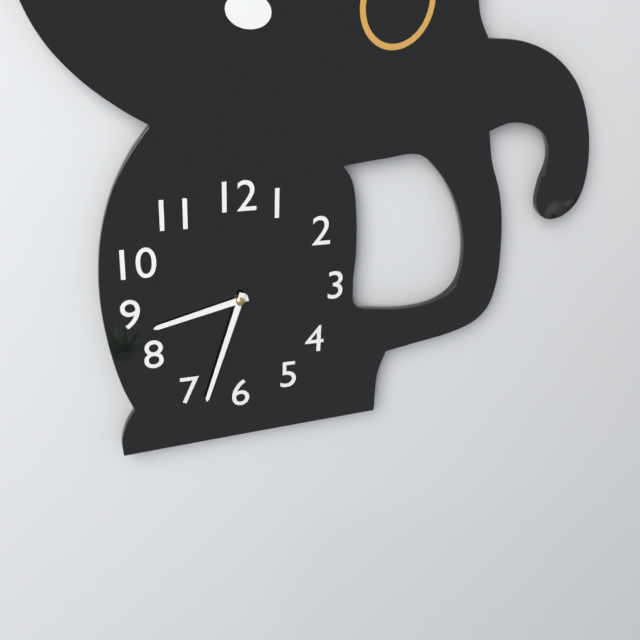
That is h=8 m=33
